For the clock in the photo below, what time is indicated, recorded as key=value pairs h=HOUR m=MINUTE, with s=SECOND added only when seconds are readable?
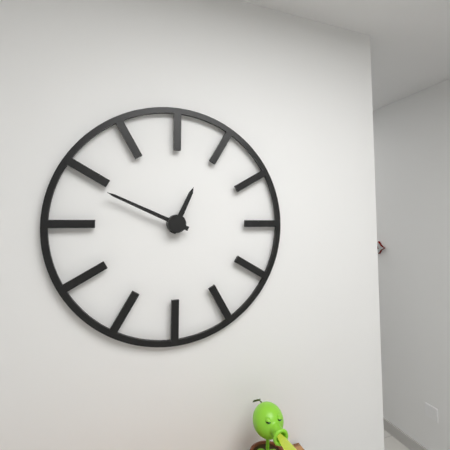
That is h=12 m=49
